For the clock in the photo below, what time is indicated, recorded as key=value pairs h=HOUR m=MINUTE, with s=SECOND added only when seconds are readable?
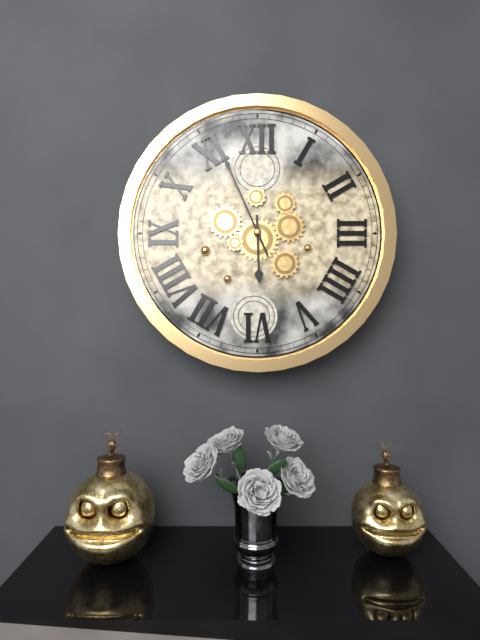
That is h=5 m=56
